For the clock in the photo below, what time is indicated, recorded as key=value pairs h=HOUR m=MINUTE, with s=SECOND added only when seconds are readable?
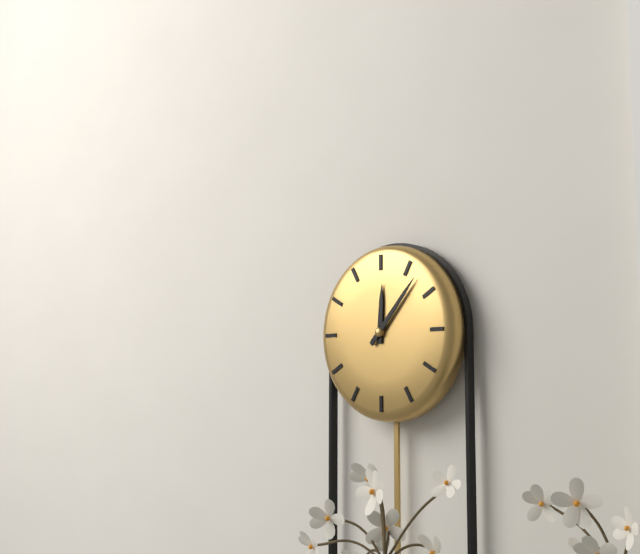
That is h=12 m=7
